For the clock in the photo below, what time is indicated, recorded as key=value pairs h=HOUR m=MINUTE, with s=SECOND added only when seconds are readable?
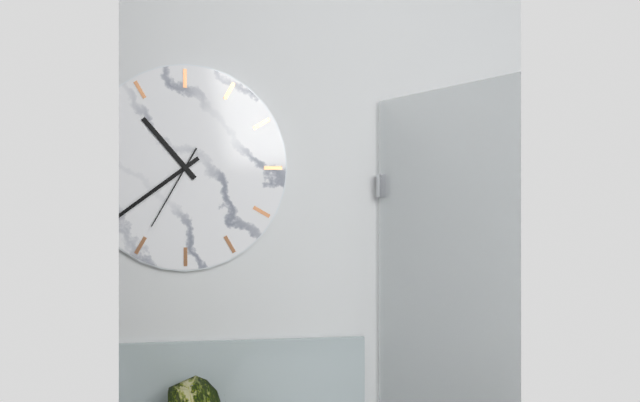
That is h=10 m=39 s=35
